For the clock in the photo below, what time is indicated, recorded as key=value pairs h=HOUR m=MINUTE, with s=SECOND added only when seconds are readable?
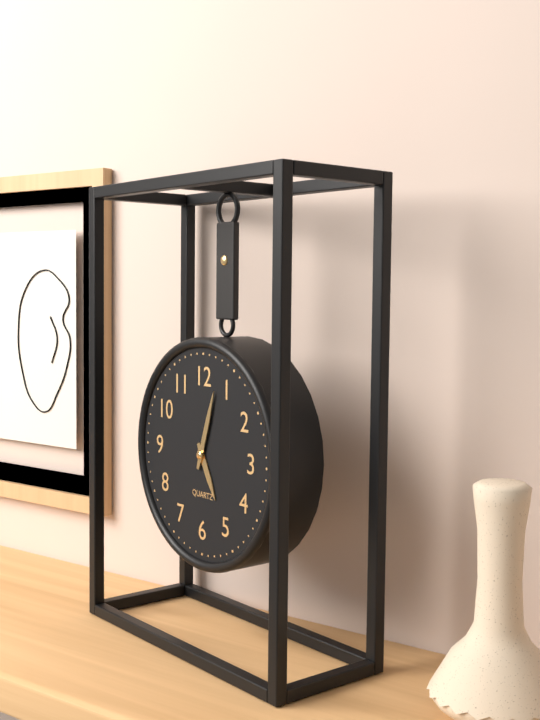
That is h=5 m=3
